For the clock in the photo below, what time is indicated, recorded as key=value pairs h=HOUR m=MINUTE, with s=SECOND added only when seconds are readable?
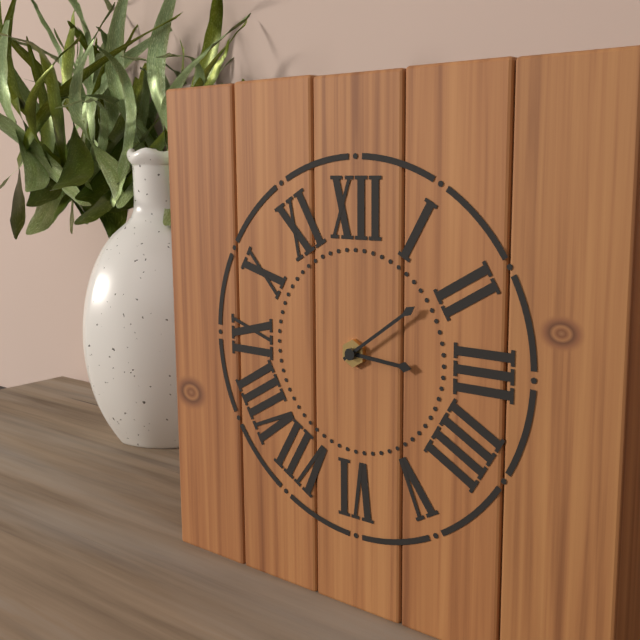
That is h=3 m=9
